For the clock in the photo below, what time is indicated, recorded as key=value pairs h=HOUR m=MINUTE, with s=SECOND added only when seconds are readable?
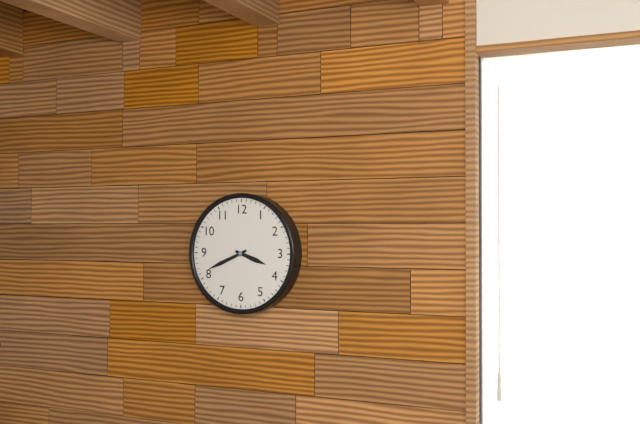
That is h=3 m=41
